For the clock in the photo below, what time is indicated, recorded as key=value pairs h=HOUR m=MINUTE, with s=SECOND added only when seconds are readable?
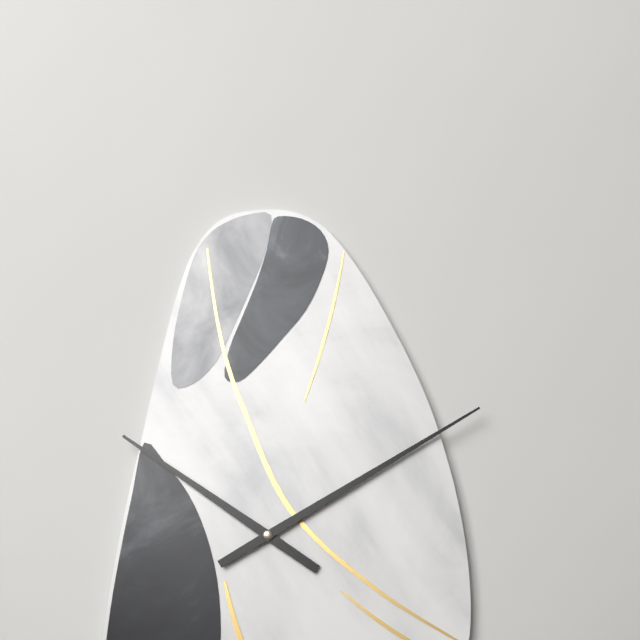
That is h=10 m=10
